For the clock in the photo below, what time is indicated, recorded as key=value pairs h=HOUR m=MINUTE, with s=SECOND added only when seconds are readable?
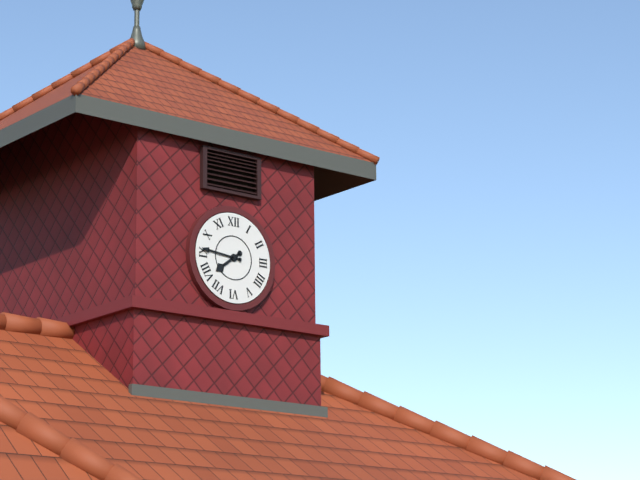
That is h=7 m=46
